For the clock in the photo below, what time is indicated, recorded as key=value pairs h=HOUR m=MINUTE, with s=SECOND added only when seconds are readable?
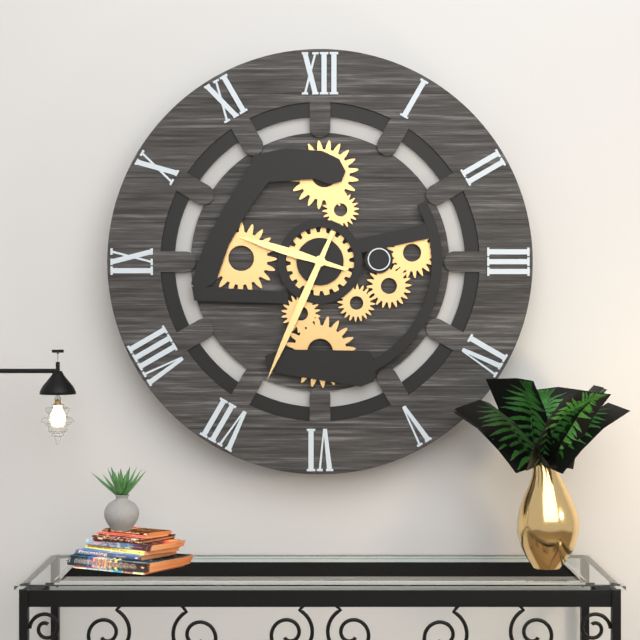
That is h=9 m=34
